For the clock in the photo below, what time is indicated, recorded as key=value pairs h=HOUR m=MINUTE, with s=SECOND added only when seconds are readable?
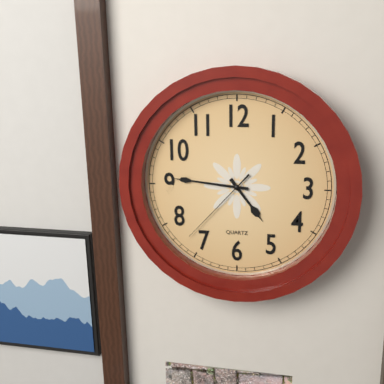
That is h=4 m=46 s=37
